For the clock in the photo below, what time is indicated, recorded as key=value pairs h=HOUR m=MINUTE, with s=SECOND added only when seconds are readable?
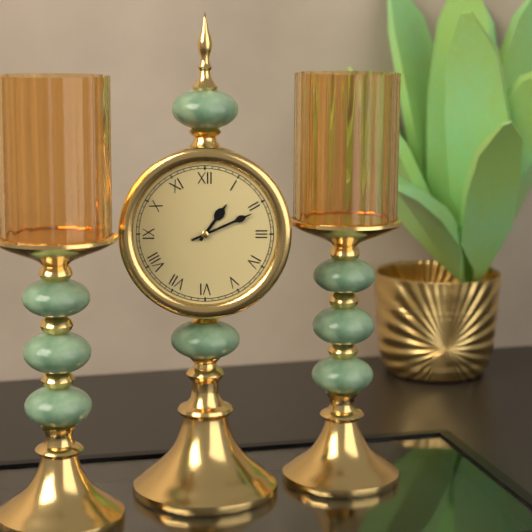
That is h=1 m=11
